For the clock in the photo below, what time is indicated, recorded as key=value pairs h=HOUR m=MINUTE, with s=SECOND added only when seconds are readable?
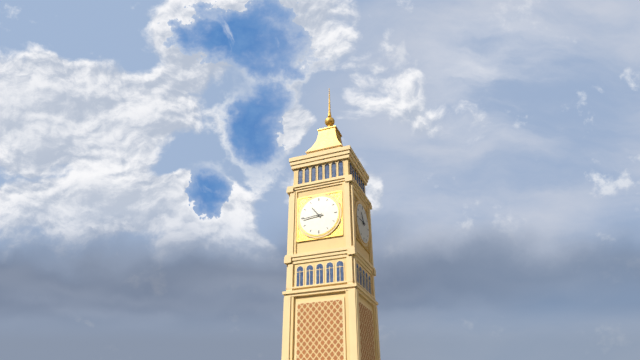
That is h=10 m=44
